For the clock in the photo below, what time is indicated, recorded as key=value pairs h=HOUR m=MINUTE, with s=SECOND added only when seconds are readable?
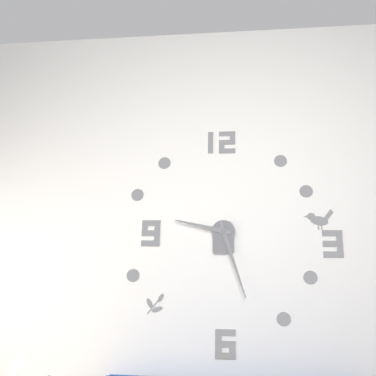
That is h=9 m=27
